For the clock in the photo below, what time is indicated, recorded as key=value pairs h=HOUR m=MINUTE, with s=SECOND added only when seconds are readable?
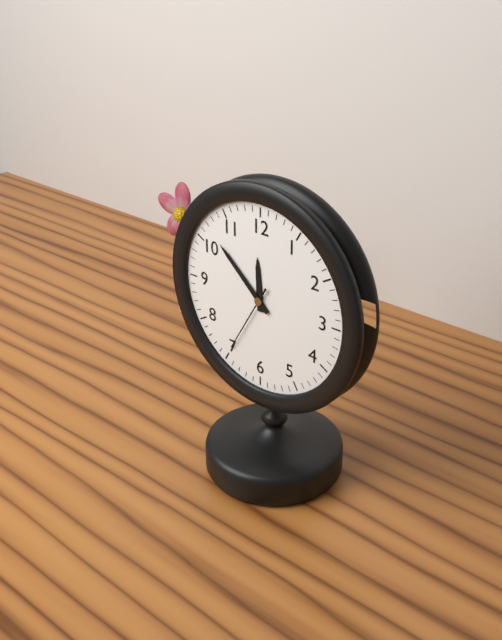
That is h=11 m=52 s=35
